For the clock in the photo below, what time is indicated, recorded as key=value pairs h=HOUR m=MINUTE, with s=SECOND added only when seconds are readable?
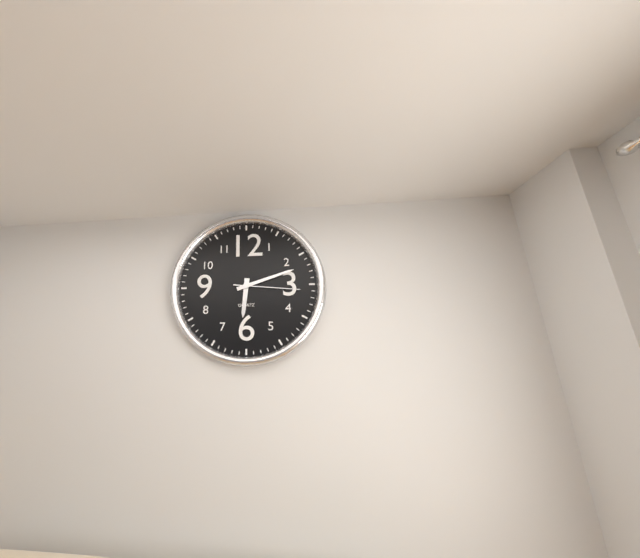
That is h=6 m=12 s=16
